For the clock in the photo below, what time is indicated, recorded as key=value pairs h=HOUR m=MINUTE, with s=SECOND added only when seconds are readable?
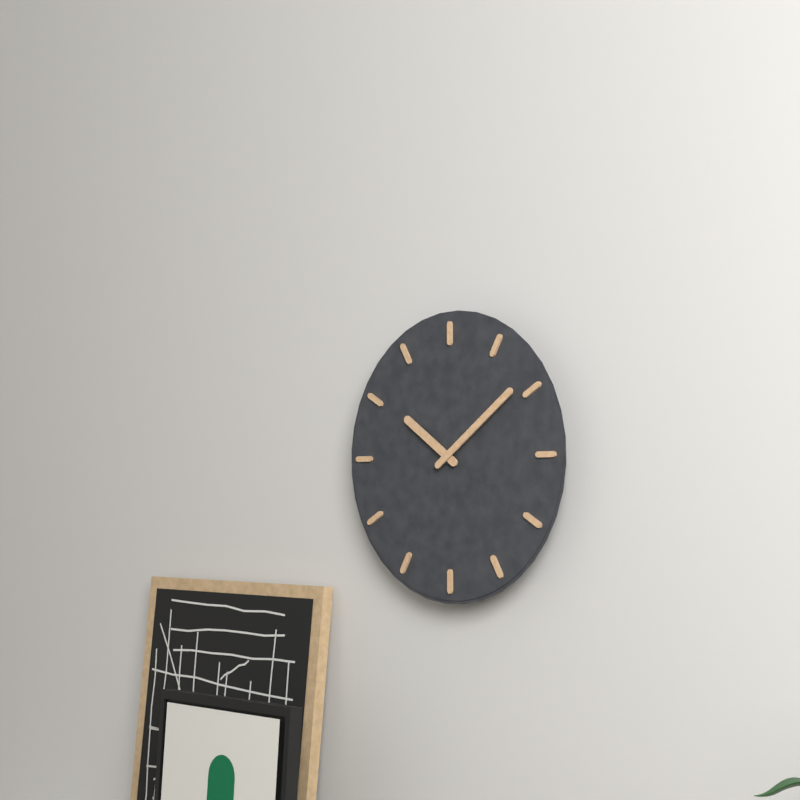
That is h=10 m=9
